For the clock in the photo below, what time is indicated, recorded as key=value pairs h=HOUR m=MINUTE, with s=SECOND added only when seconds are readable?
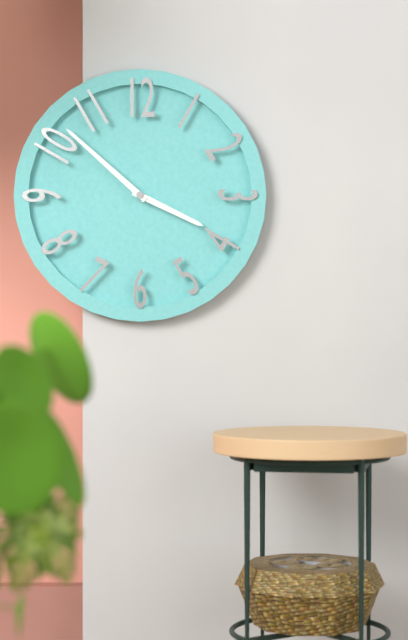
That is h=3 m=52
